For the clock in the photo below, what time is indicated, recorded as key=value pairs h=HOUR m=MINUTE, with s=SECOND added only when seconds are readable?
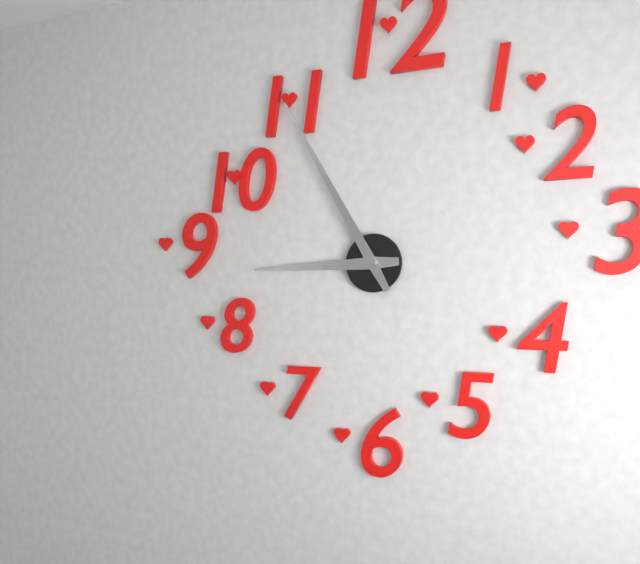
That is h=8 m=55
